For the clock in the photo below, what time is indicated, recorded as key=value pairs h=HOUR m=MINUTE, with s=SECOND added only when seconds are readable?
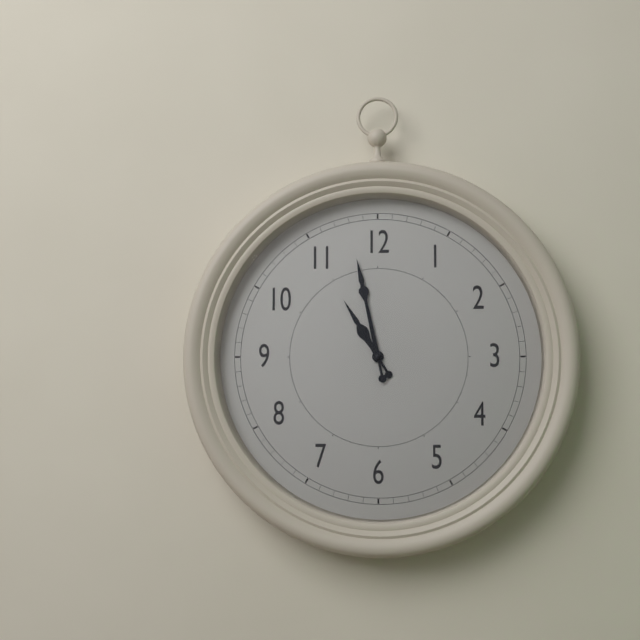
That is h=10 m=58
